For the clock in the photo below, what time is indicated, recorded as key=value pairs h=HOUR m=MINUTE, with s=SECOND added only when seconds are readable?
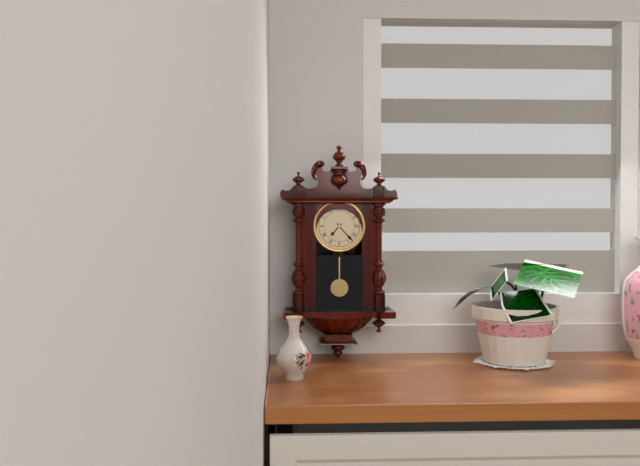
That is h=7 m=23
